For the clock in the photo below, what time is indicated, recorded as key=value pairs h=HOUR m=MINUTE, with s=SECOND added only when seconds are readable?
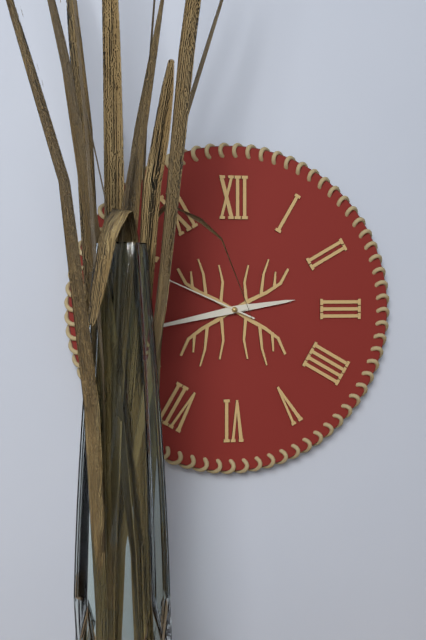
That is h=2 m=43 s=49
